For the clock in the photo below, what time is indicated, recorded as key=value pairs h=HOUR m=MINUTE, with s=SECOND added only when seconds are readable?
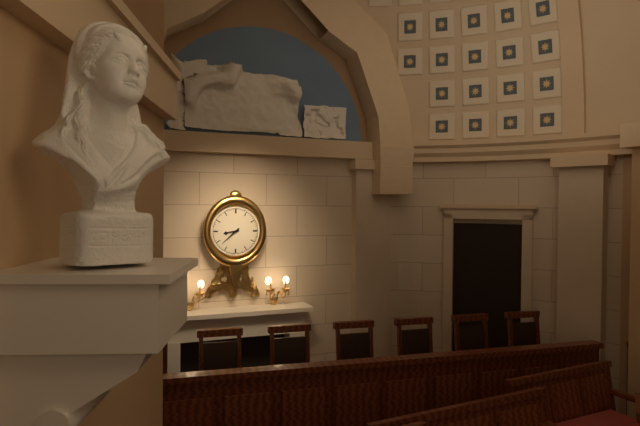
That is h=8 m=38
